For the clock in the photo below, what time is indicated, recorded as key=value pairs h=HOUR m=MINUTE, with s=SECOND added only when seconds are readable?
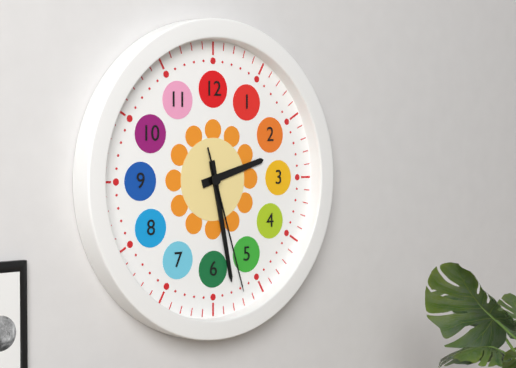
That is h=2 m=28 s=27
